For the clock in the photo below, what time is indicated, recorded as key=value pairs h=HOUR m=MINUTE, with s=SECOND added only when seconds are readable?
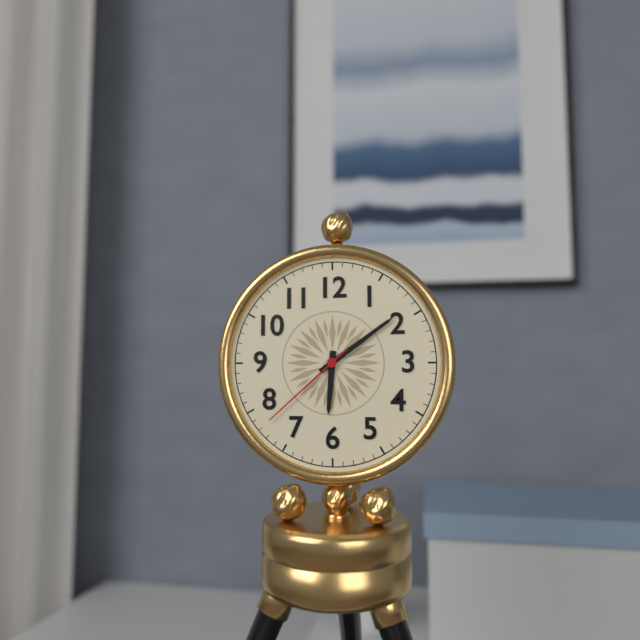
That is h=6 m=9 s=38
